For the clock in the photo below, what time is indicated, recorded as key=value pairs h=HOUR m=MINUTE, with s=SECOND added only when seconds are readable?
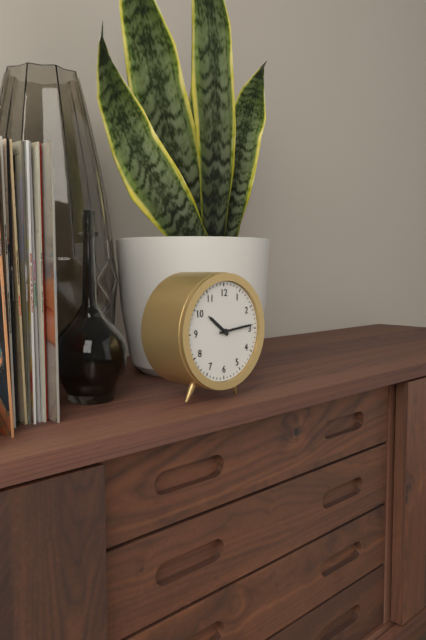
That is h=10 m=14
